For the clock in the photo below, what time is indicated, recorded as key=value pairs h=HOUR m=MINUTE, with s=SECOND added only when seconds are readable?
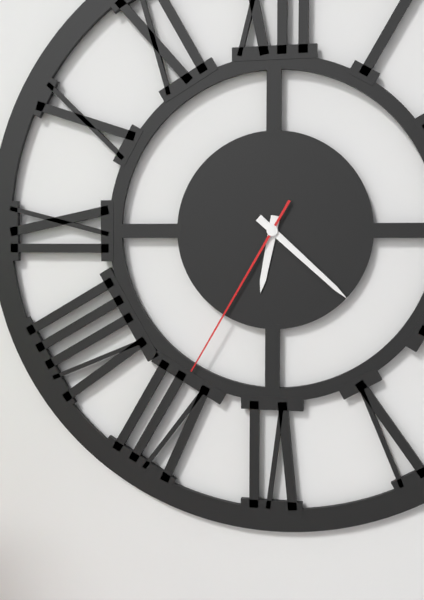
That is h=6 m=22 s=35
